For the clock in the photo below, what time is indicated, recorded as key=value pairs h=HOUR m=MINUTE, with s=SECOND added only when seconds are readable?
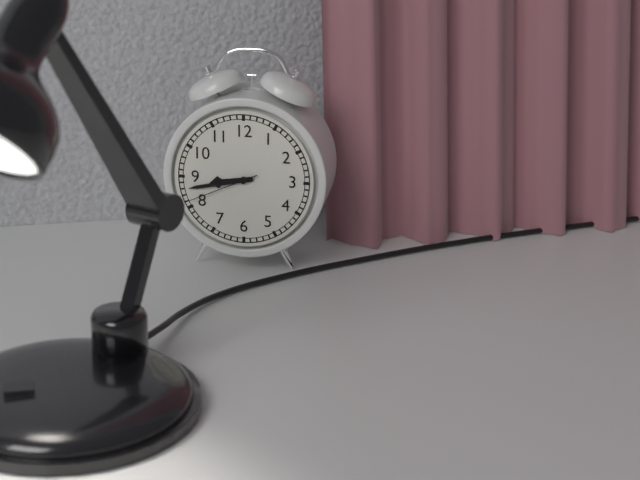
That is h=8 m=43 s=41
